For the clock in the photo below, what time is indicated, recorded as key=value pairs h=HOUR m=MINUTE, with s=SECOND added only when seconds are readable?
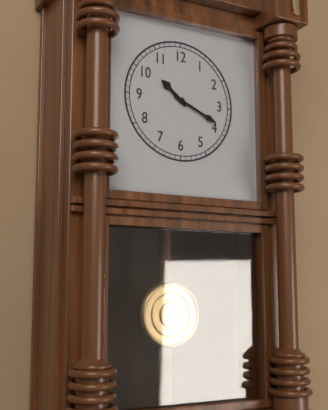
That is h=10 m=19
